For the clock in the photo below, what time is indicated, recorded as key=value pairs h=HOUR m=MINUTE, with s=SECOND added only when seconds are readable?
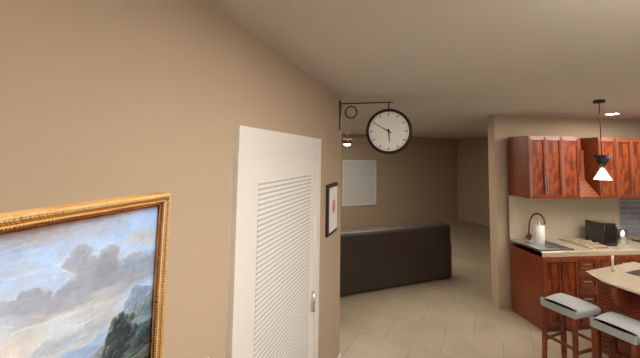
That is h=5 m=50
